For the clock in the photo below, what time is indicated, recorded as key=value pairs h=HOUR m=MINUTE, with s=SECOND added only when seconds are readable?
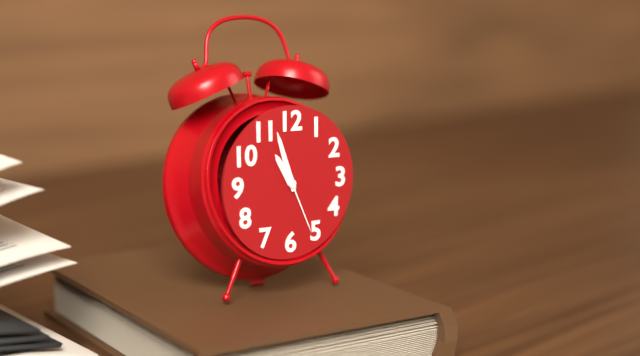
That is h=10 m=57 s=26
